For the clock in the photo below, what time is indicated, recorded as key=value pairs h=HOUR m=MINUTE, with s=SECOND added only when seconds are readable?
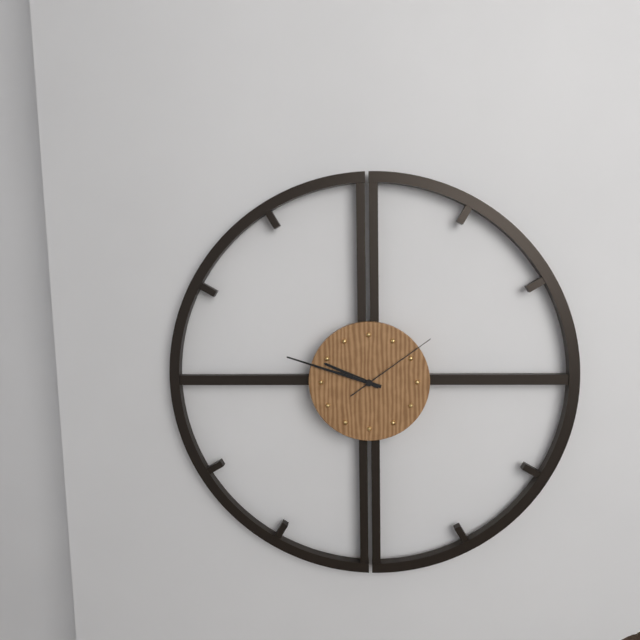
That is h=9 m=48 s=9
